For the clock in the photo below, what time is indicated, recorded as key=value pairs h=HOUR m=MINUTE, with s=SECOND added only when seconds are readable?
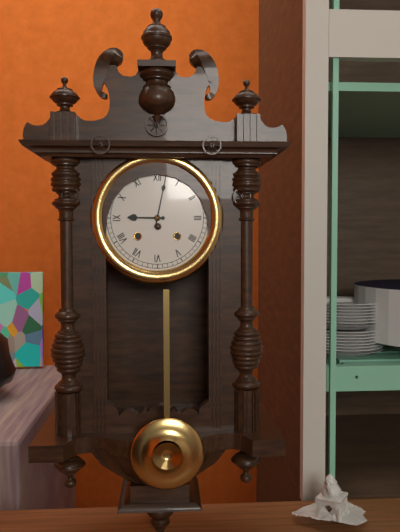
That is h=9 m=2
